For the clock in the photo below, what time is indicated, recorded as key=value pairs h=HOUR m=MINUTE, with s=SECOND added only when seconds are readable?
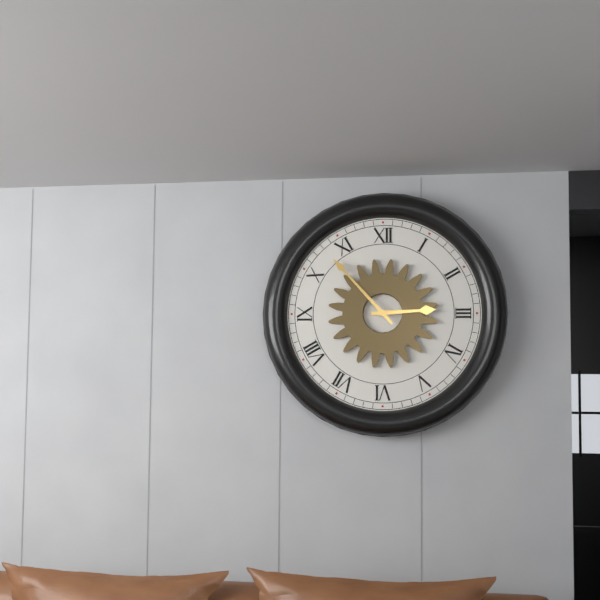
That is h=2 m=53
